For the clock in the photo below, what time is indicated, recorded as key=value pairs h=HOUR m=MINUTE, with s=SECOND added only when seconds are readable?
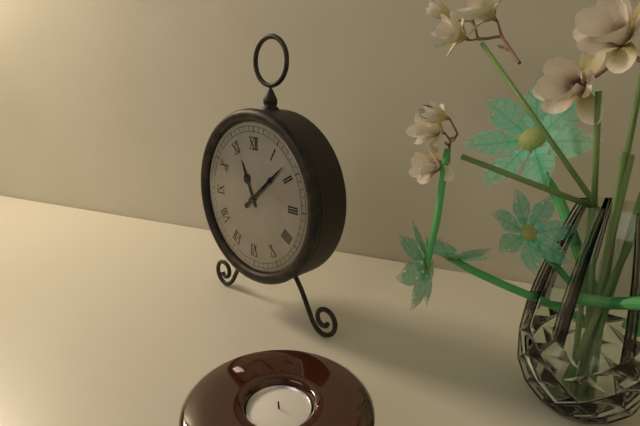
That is h=11 m=8
